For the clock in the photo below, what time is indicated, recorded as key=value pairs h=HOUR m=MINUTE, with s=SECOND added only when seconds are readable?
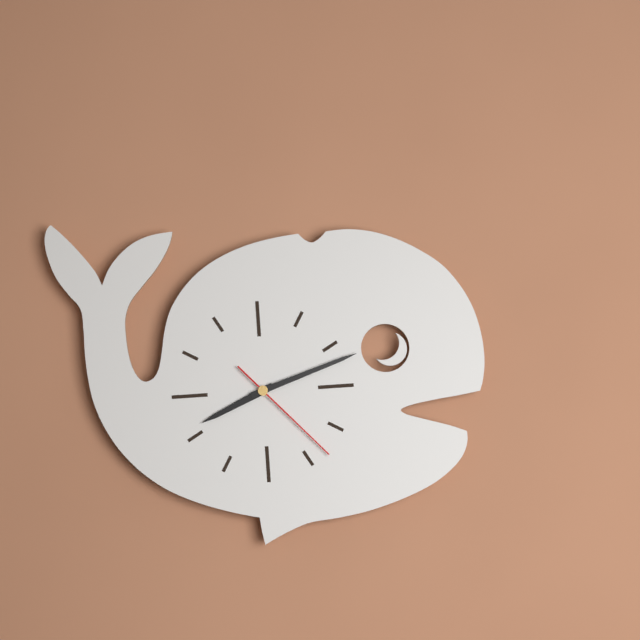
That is h=8 m=12 s=23
